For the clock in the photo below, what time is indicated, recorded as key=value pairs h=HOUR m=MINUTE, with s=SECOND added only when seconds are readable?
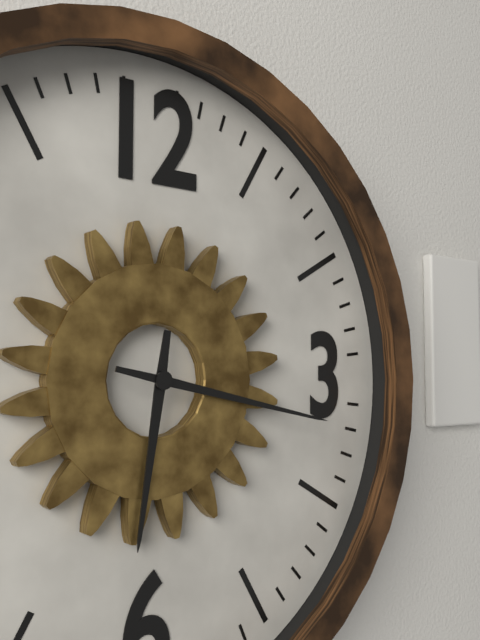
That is h=6 m=17
